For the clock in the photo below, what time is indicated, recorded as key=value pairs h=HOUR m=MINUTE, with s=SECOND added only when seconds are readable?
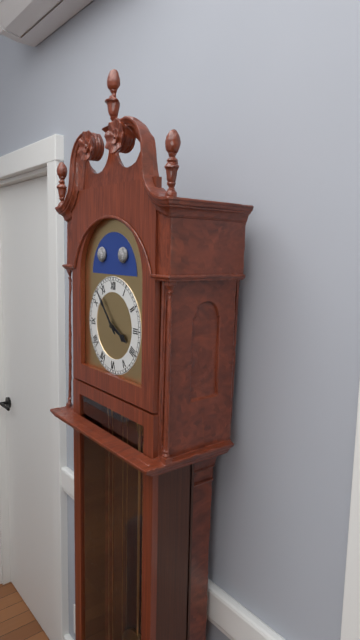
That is h=3 m=53
